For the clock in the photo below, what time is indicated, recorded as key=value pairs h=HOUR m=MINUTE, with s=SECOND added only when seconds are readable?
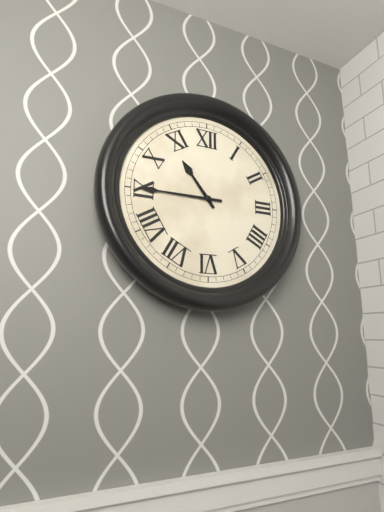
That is h=10 m=45
